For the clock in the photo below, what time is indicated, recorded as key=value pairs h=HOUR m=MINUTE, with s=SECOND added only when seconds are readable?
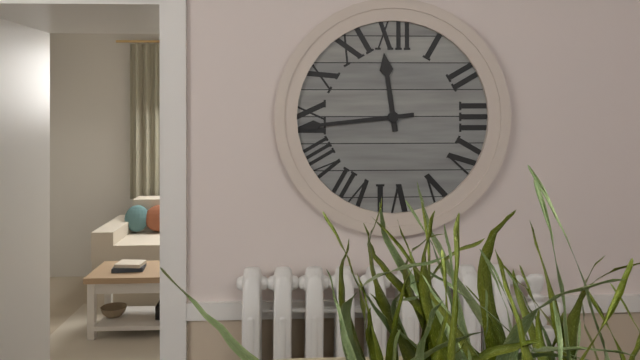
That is h=11 m=44
